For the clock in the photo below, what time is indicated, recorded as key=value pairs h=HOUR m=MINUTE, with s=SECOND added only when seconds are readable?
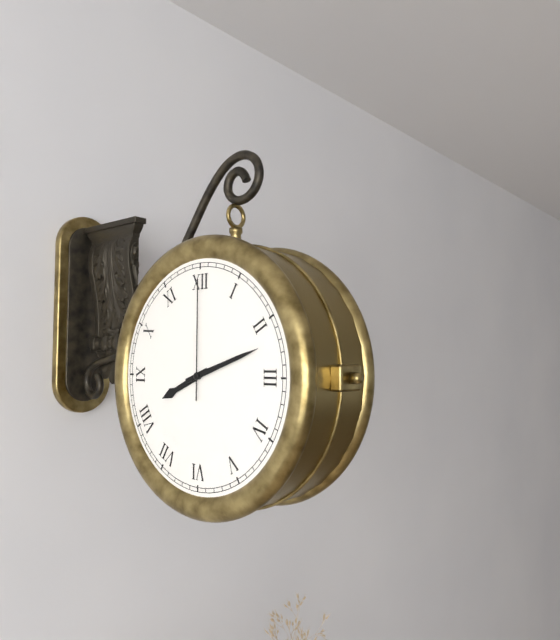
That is h=8 m=12 s=0
